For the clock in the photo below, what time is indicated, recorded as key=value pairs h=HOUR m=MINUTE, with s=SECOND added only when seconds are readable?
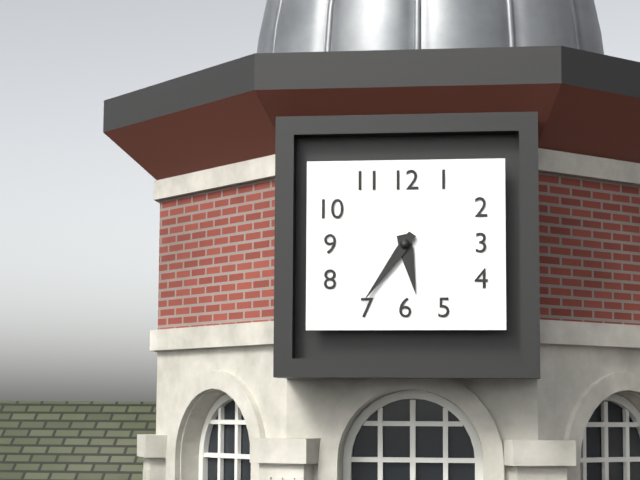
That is h=5 m=36
